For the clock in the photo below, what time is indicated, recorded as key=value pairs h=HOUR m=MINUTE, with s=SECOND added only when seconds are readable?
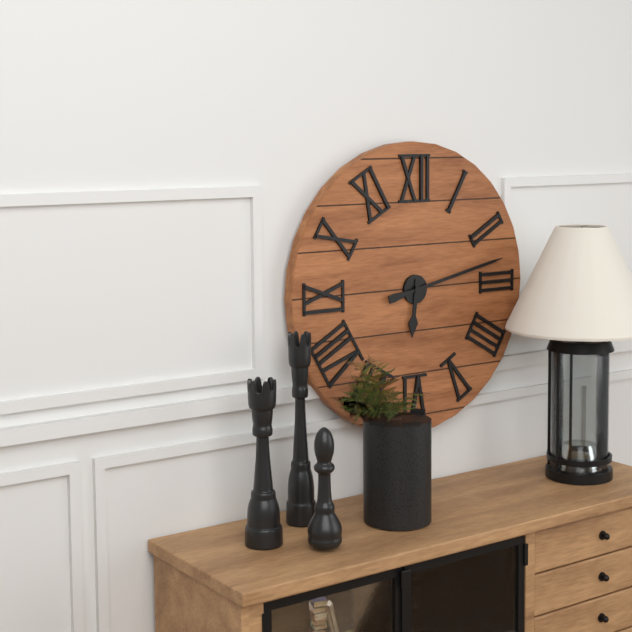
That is h=6 m=13
